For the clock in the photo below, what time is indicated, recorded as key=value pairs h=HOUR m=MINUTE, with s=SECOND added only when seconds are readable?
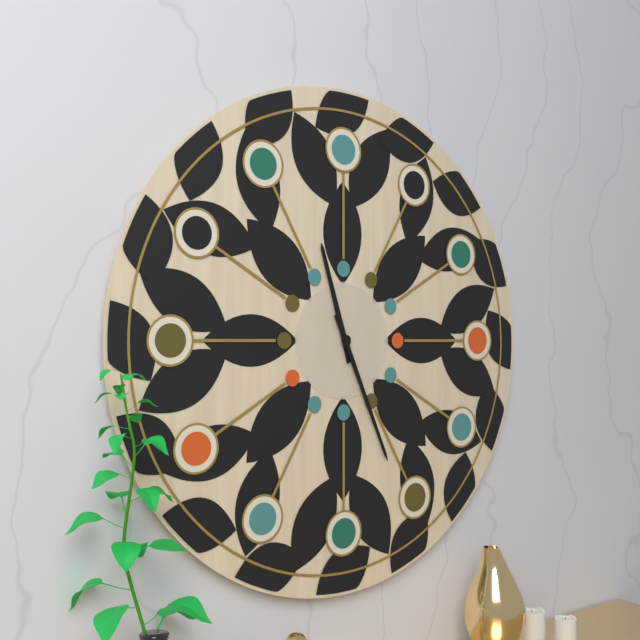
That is h=11 m=26
